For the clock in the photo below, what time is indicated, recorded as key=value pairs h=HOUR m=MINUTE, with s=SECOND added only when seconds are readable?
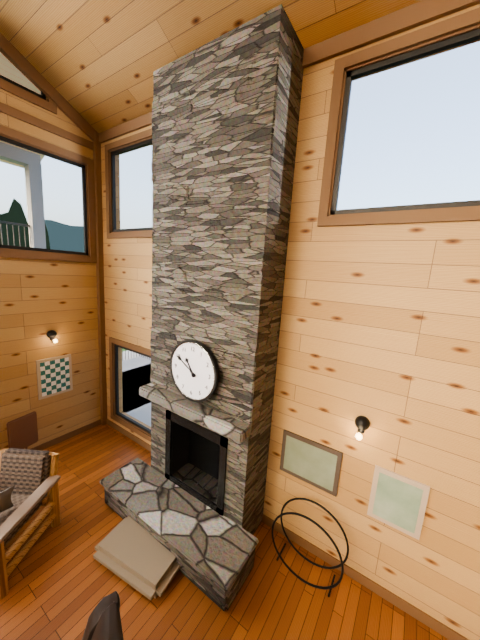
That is h=10 m=50
